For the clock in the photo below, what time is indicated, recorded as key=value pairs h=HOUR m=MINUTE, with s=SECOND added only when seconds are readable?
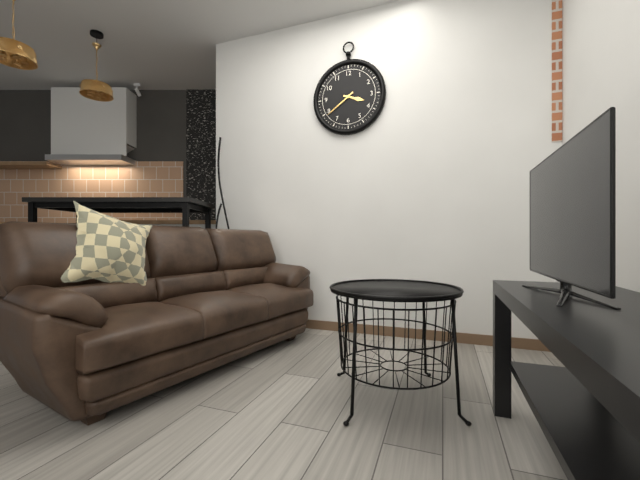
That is h=3 m=39
